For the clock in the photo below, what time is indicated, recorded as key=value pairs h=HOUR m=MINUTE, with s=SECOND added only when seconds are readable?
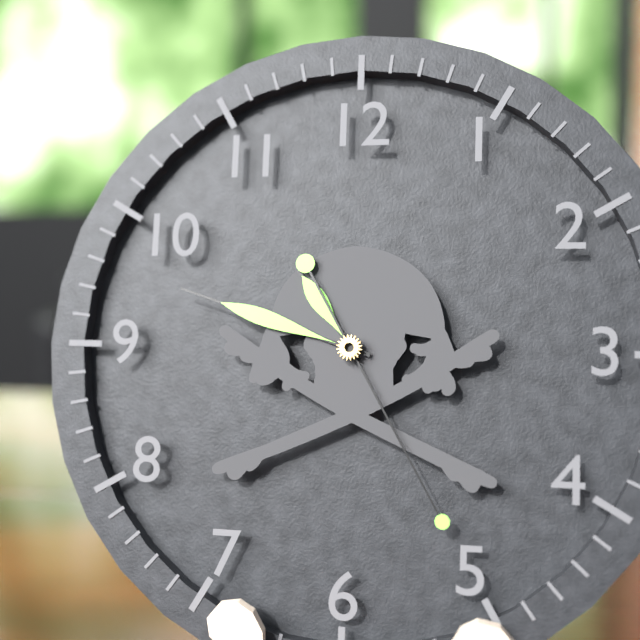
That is h=10 m=48 s=25
